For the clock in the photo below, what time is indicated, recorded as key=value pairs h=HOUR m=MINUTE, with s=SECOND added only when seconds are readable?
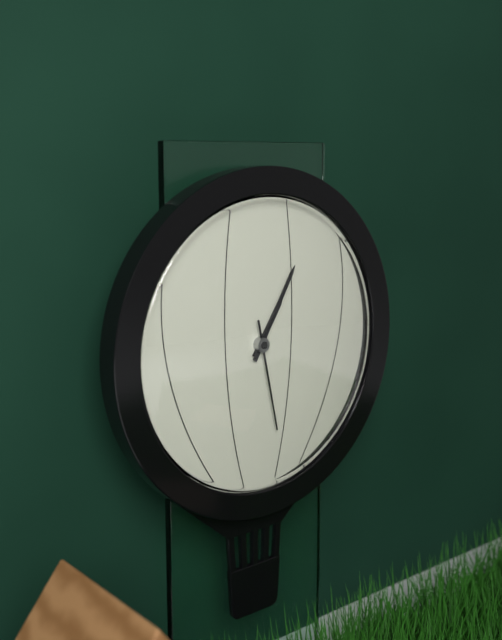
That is h=1 m=5 s=28
